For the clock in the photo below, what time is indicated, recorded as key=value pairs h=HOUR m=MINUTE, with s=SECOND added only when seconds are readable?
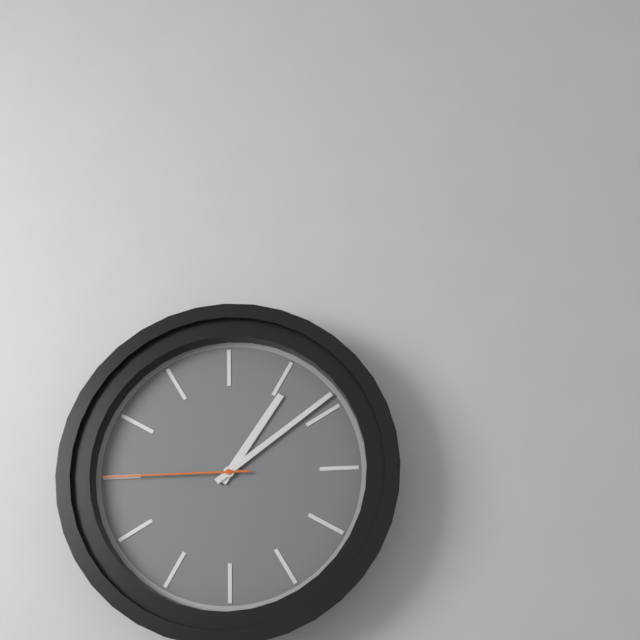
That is h=1 m=9 s=45
